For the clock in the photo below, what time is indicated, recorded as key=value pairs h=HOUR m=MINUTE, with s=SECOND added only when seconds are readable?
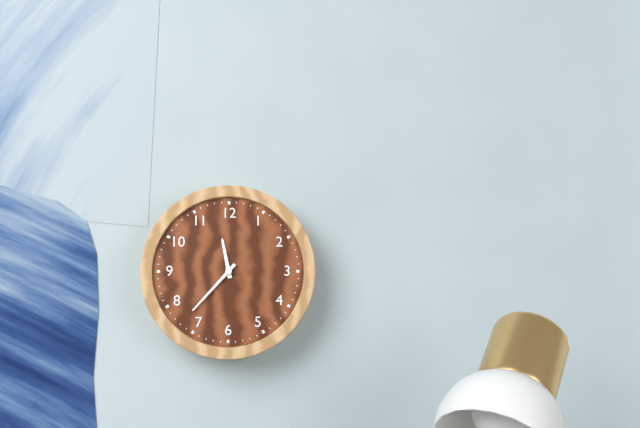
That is h=11 m=37
